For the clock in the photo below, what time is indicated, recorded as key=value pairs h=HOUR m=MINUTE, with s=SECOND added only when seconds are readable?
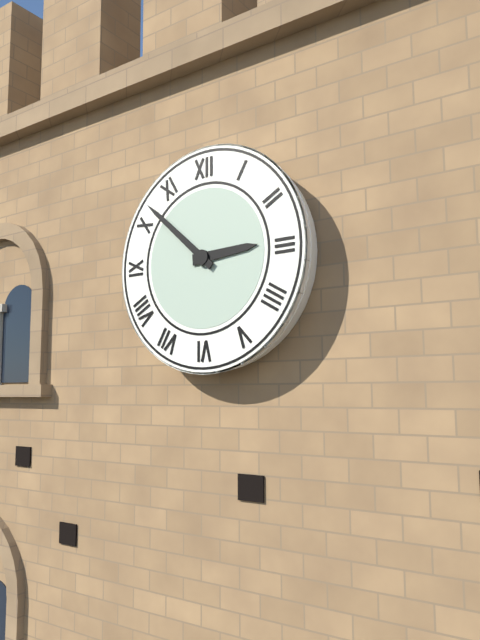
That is h=2 m=52
